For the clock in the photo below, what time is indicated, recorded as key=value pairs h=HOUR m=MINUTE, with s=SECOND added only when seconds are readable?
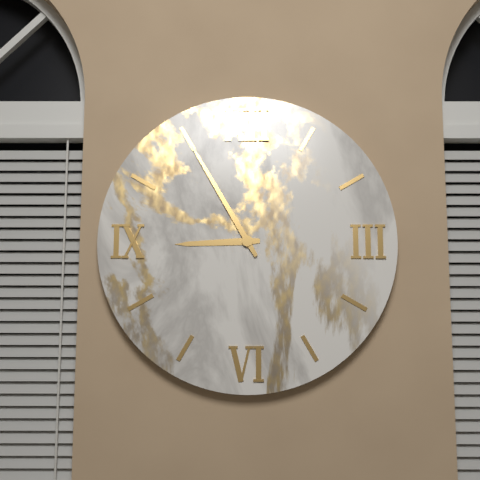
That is h=8 m=55
